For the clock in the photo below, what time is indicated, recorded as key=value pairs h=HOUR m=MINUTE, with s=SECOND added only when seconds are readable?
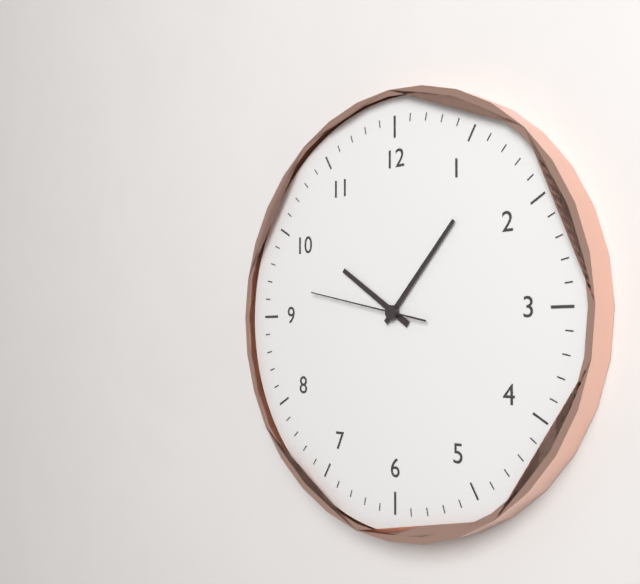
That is h=10 m=7 s=47
